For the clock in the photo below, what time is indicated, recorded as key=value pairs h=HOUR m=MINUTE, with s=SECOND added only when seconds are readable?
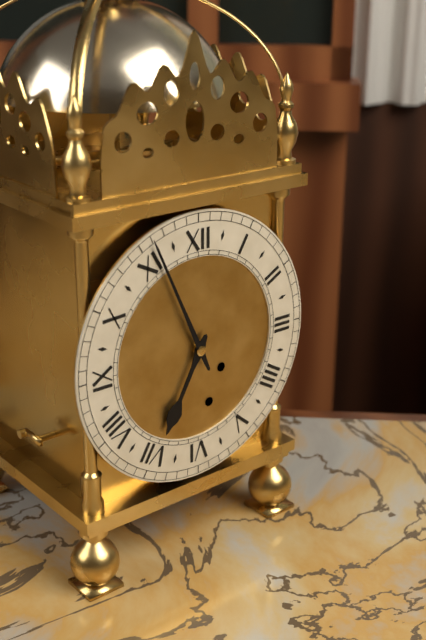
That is h=6 m=56
